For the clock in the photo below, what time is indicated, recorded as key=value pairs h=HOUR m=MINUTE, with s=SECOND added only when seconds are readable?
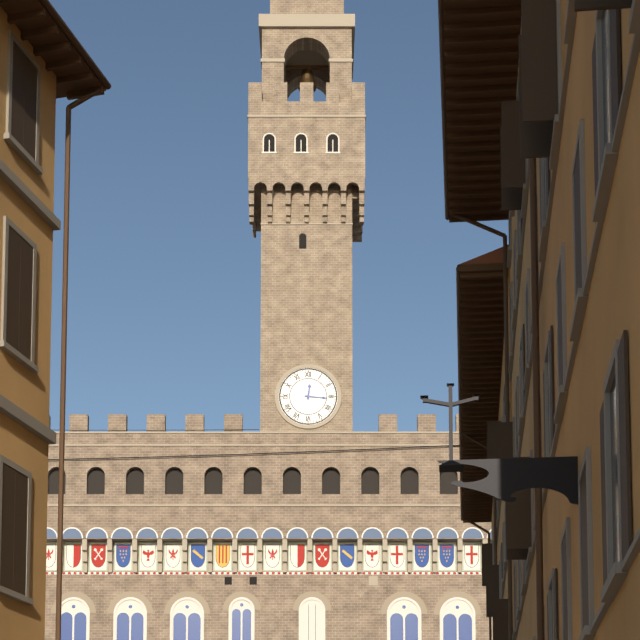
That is h=12 m=16
